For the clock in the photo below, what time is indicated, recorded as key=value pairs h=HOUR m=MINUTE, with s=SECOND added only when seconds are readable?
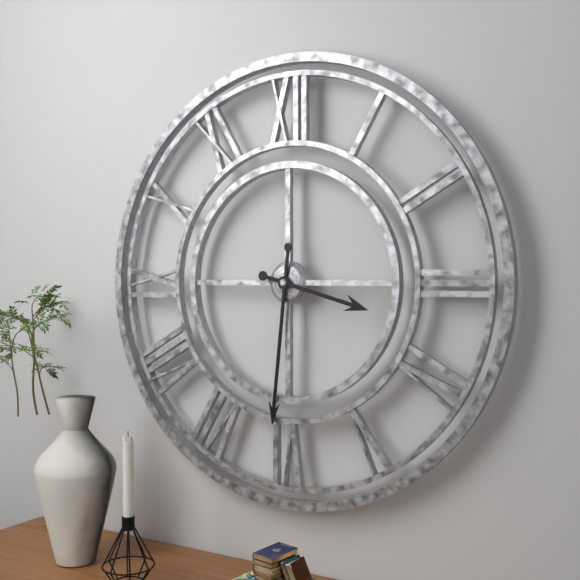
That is h=3 m=31
